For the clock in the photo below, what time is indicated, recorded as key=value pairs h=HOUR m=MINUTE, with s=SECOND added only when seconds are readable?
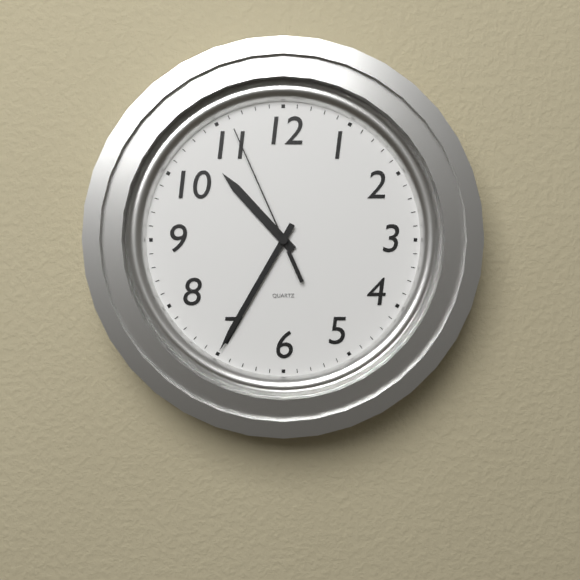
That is h=10 m=35 s=56
